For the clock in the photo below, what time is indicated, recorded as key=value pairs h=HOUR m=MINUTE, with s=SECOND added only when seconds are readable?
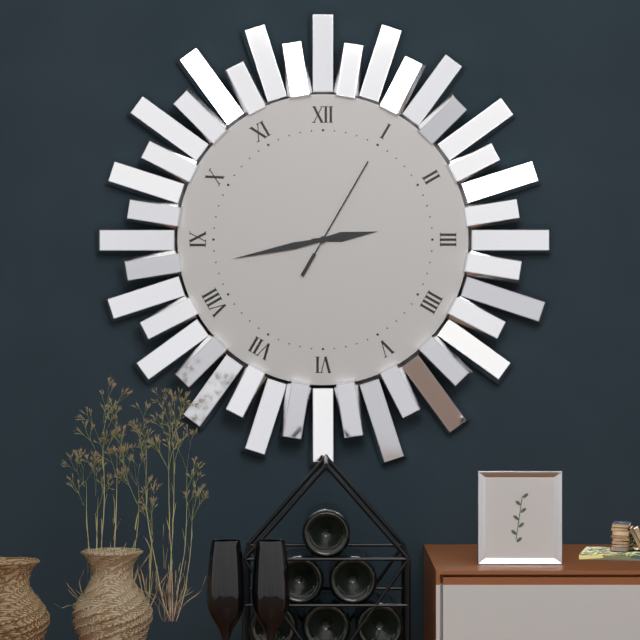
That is h=2 m=43 s=5
